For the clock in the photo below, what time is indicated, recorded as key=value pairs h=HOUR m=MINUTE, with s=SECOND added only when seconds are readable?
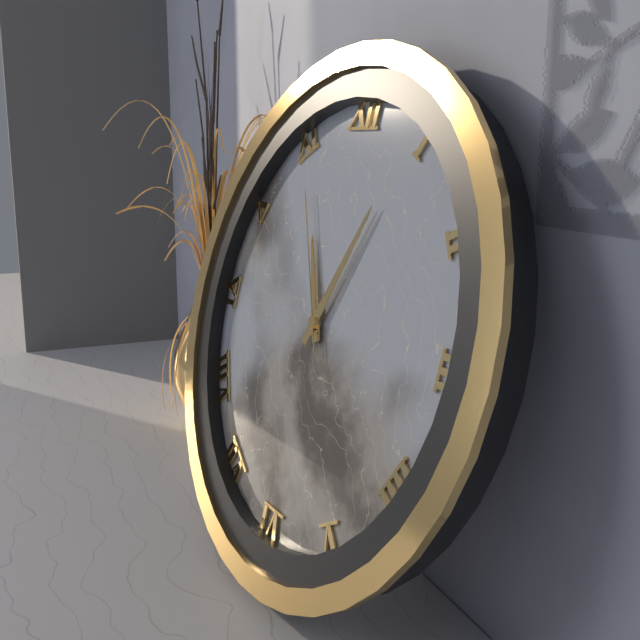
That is h=11 m=4 s=55
